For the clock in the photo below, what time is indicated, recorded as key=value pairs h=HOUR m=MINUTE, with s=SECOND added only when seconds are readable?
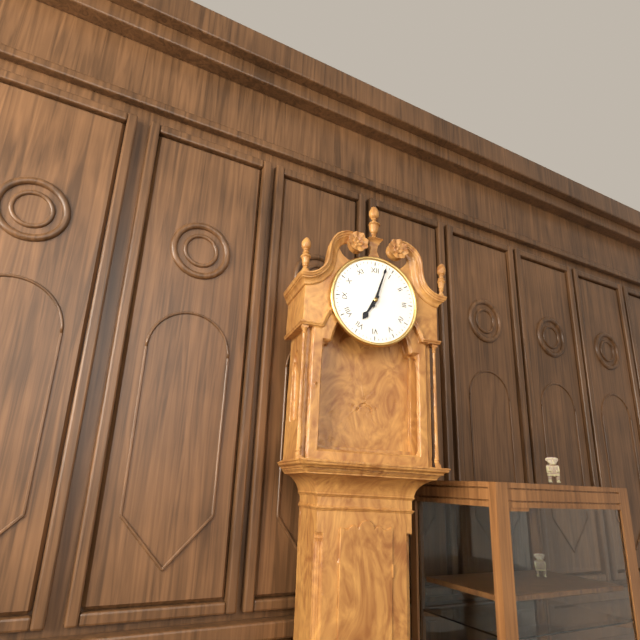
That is h=7 m=3
